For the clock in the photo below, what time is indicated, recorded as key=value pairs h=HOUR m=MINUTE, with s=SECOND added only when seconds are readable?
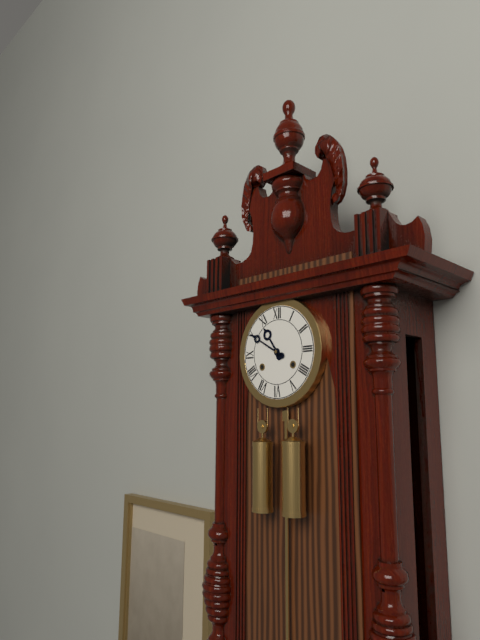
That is h=10 m=50
